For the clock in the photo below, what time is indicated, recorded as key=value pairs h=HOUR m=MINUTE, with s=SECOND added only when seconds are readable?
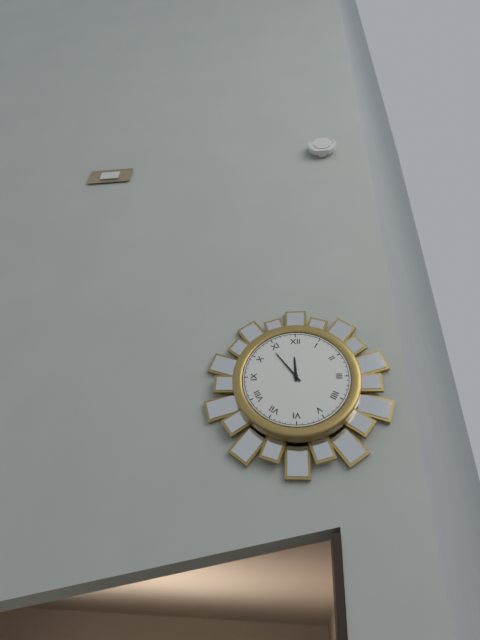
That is h=11 m=54
